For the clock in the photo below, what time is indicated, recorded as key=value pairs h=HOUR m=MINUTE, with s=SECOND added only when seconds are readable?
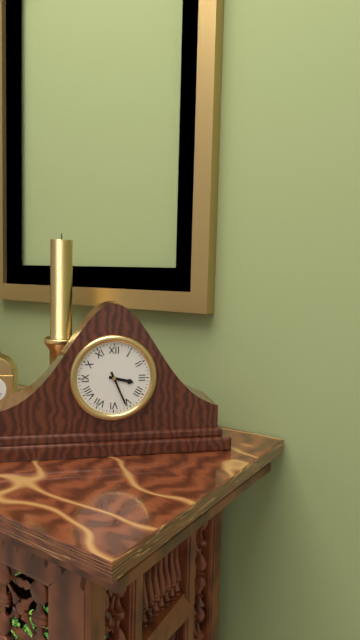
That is h=3 m=26
